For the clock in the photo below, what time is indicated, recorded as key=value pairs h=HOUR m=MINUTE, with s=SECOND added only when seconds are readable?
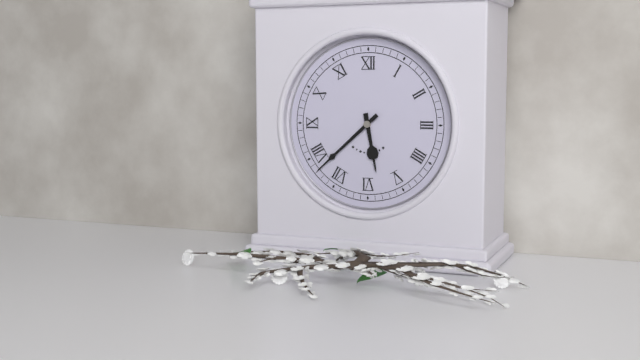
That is h=5 m=38
